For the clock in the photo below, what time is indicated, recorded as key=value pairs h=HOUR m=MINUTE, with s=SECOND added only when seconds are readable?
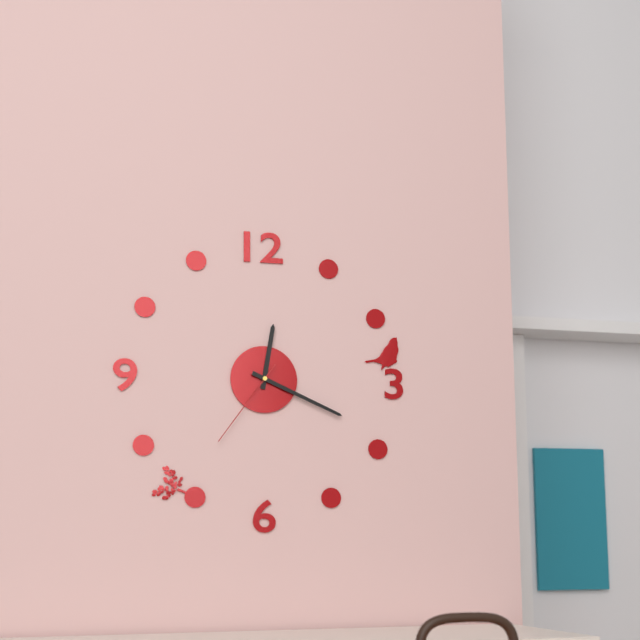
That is h=12 m=19 s=36
